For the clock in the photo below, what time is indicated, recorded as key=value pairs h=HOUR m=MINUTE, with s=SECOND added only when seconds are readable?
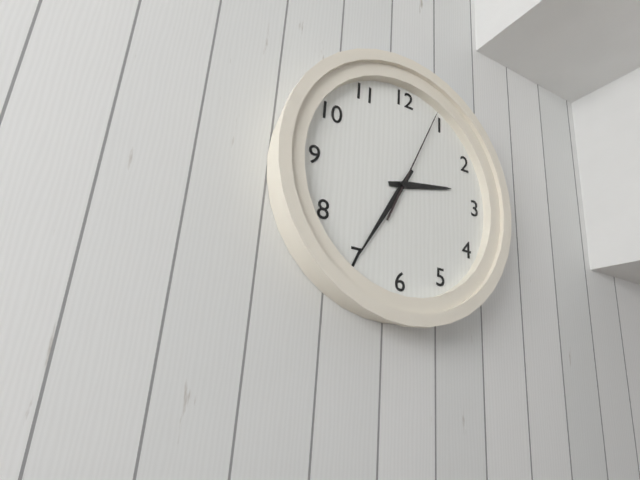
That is h=2 m=35 s=4
